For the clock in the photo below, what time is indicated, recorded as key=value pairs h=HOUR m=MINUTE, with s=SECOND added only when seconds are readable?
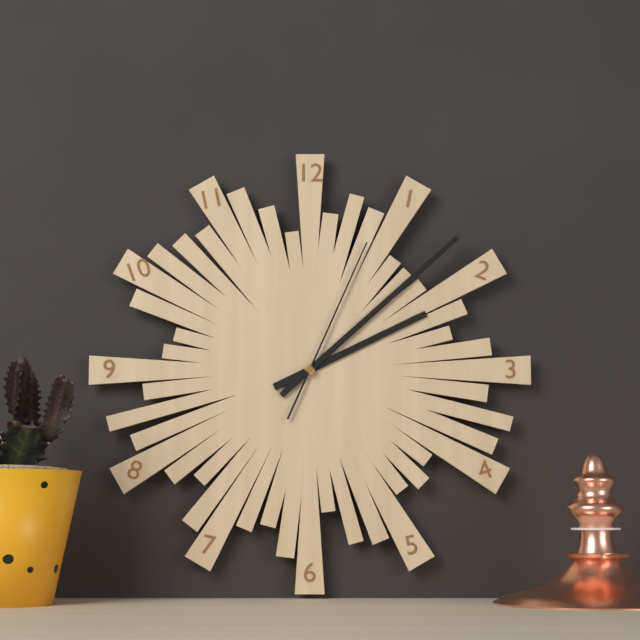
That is h=2 m=8 s=4
